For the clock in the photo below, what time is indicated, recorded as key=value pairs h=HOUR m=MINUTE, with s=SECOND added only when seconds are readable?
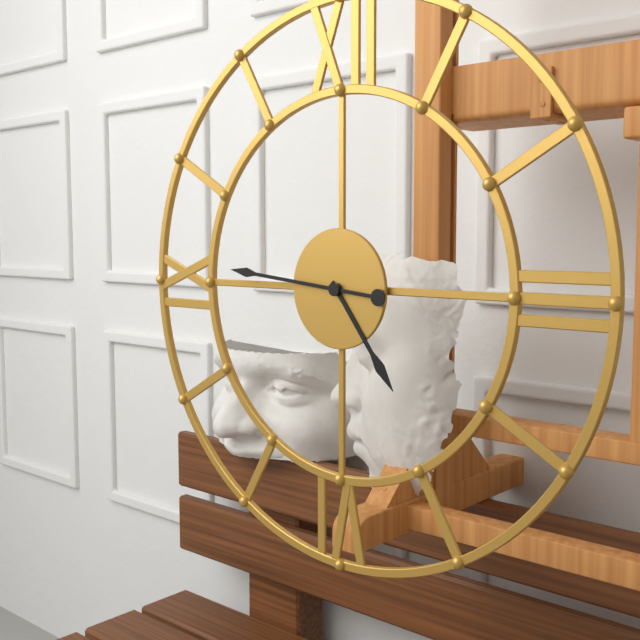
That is h=4 m=46
